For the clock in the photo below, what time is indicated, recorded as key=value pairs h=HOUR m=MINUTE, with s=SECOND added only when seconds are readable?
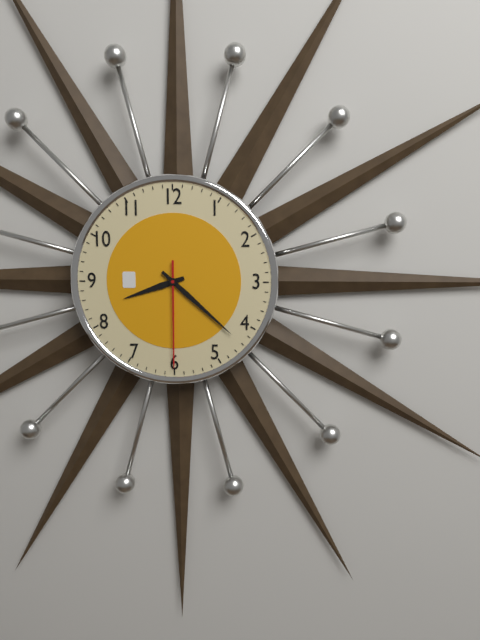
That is h=8 m=22 s=30
